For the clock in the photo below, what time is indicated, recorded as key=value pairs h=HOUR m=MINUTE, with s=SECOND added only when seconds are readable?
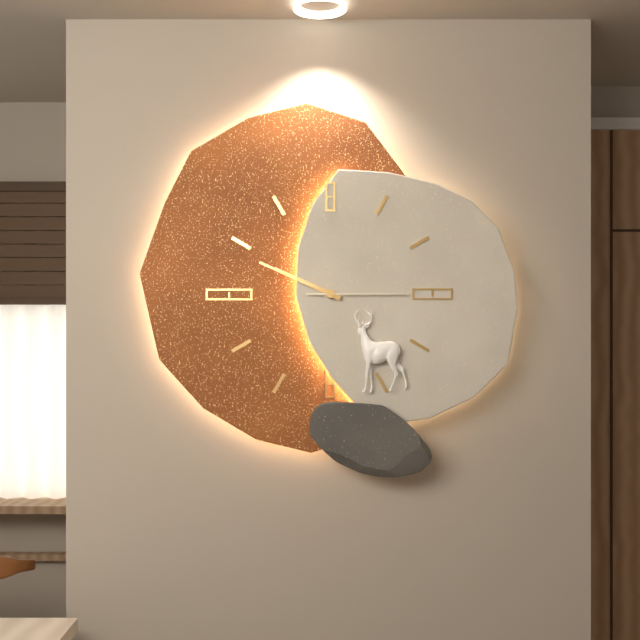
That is h=9 m=49 s=15
